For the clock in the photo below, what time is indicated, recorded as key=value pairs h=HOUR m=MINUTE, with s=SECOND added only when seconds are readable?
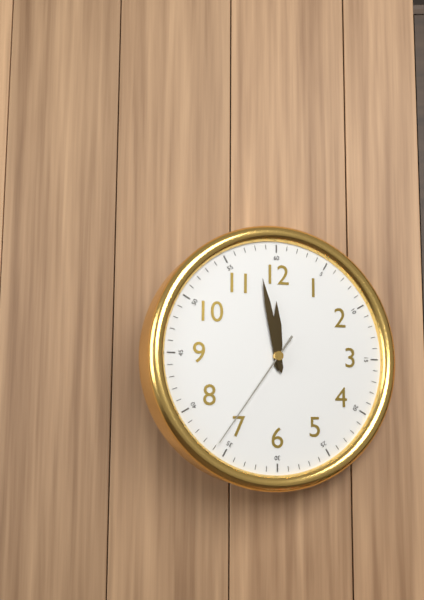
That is h=11 m=58 s=36
